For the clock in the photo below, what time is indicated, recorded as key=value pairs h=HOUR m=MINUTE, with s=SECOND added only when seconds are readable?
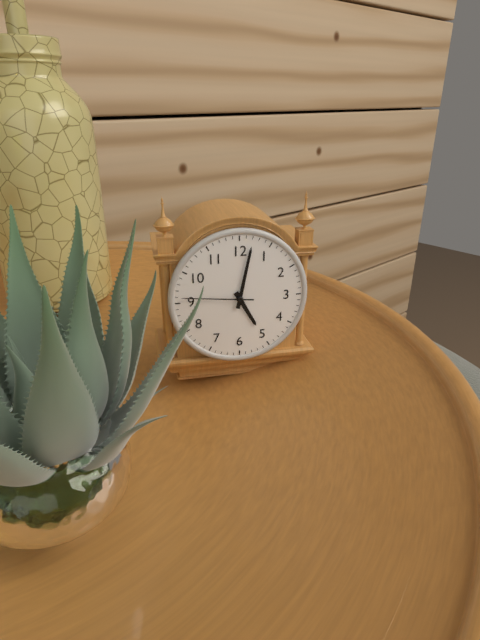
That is h=5 m=2 s=46
